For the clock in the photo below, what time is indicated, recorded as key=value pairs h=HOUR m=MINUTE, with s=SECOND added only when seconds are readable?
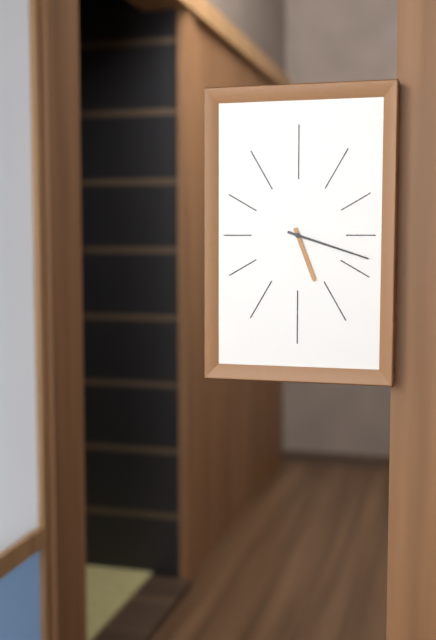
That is h=5 m=18
